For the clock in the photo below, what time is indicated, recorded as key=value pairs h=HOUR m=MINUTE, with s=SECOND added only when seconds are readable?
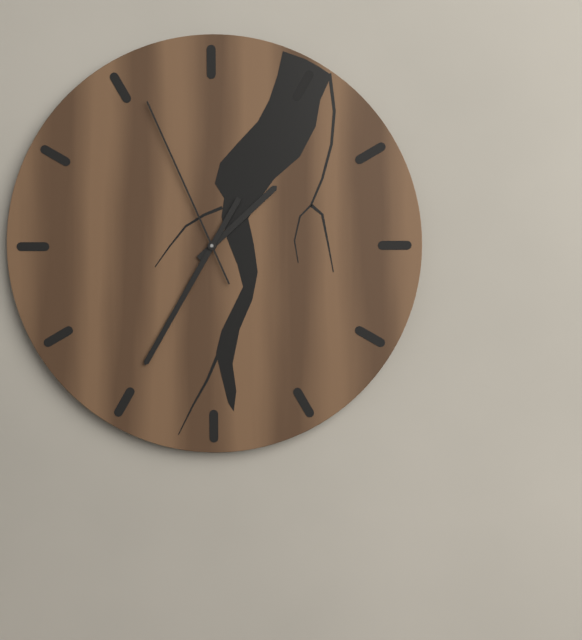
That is h=1 m=35 s=56
